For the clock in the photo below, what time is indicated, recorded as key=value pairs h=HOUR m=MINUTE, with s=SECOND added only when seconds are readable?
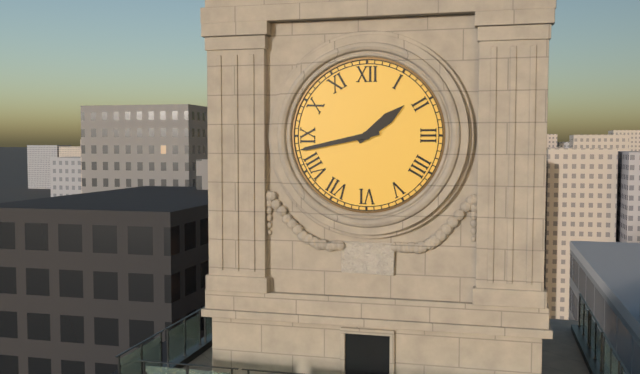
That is h=1 m=43
